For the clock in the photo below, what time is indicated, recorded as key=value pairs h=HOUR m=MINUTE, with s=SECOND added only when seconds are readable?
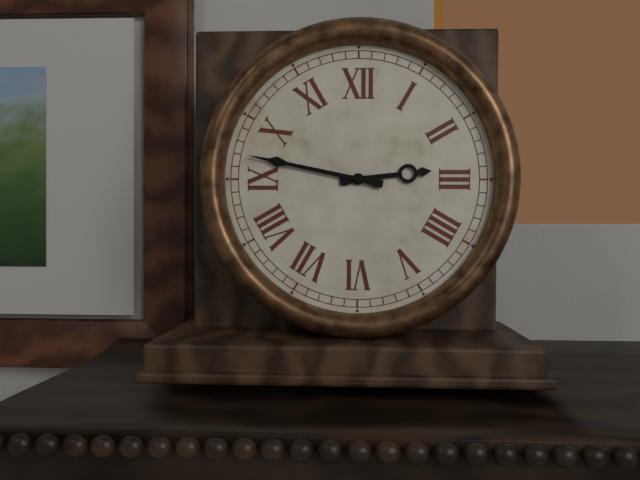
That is h=2 m=47
